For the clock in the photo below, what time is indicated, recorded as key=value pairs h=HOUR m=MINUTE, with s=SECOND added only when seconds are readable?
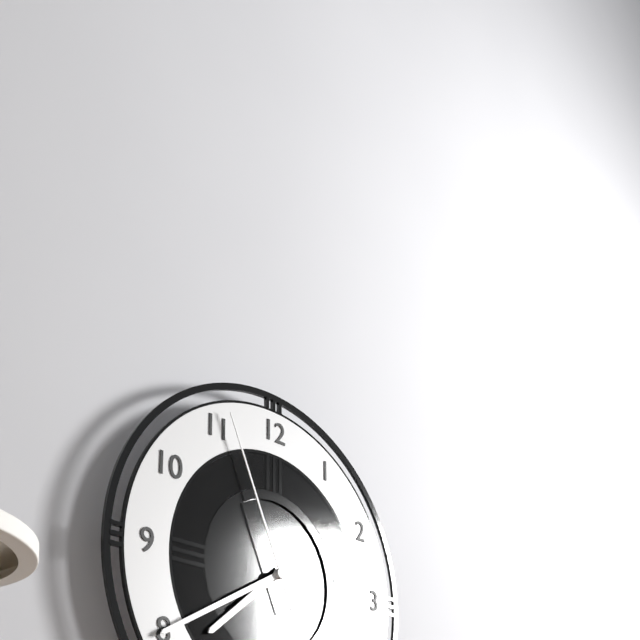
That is h=7 m=40 s=56
